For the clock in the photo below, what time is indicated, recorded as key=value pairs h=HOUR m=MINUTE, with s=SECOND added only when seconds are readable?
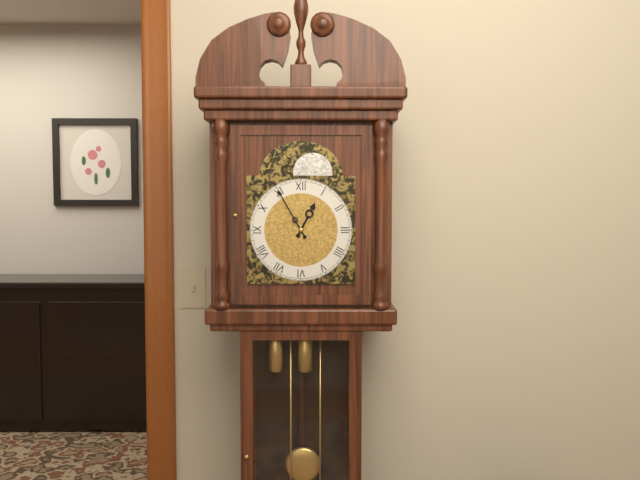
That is h=12 m=55
